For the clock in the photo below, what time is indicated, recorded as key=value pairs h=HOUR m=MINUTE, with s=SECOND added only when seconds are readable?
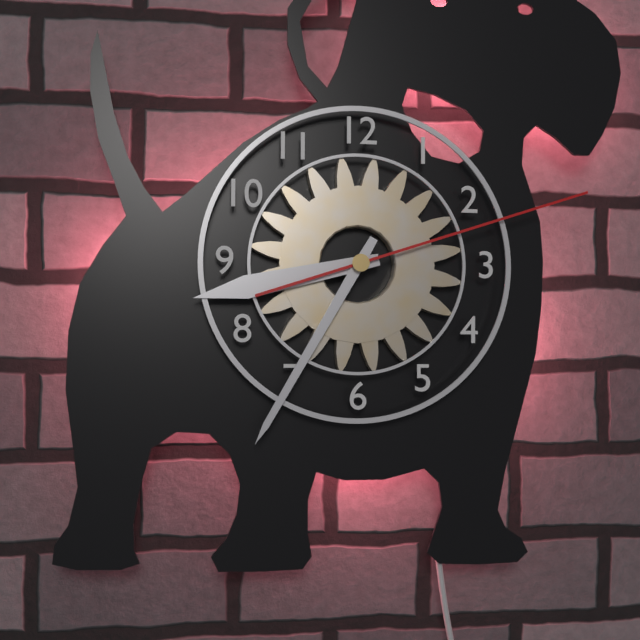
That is h=8 m=35 s=12
